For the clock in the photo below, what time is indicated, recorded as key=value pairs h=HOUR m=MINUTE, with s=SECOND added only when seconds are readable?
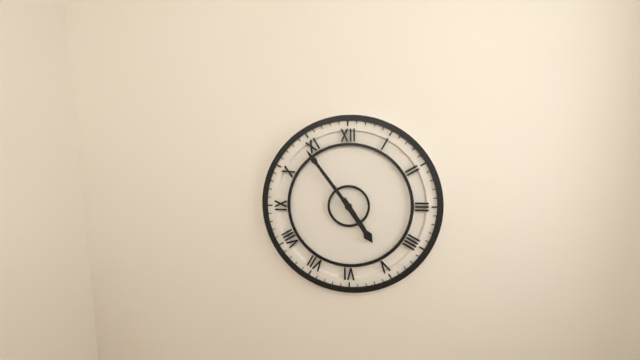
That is h=4 m=54
